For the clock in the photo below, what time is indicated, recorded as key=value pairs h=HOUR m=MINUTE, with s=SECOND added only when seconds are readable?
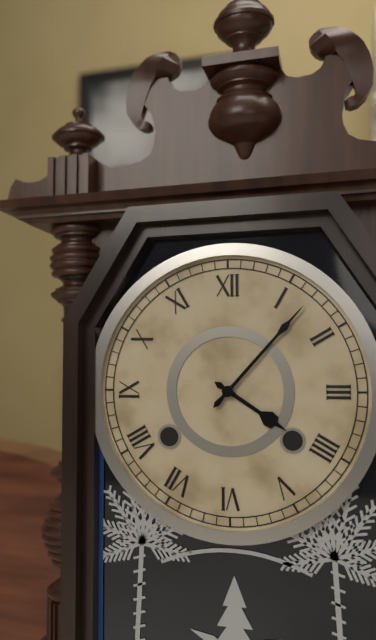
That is h=4 m=7
